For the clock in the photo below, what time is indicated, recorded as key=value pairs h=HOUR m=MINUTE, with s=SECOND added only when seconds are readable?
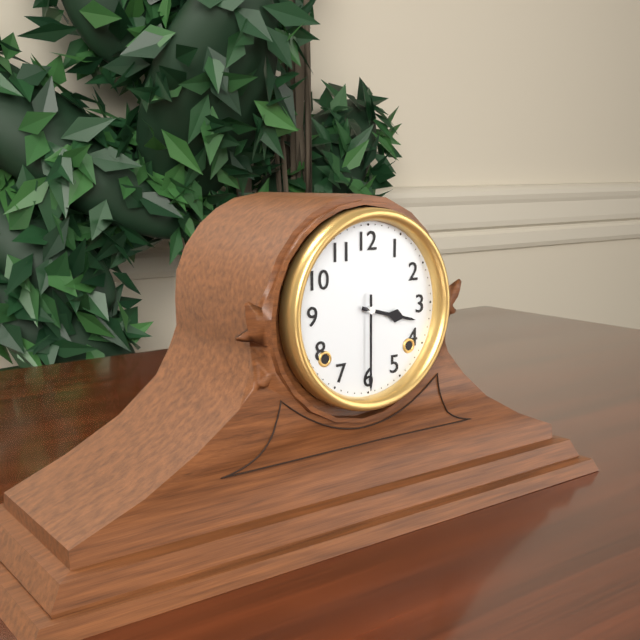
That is h=3 m=30
